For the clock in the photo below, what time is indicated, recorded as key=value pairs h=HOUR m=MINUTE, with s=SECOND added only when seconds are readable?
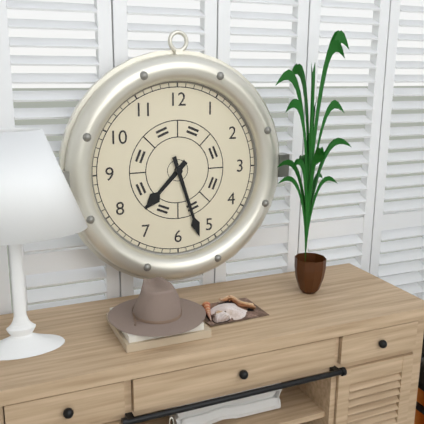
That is h=7 m=27
